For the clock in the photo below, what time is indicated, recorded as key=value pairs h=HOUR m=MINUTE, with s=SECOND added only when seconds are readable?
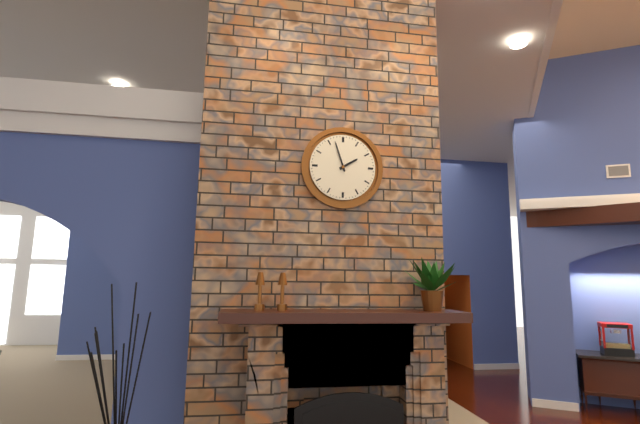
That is h=1 m=57
